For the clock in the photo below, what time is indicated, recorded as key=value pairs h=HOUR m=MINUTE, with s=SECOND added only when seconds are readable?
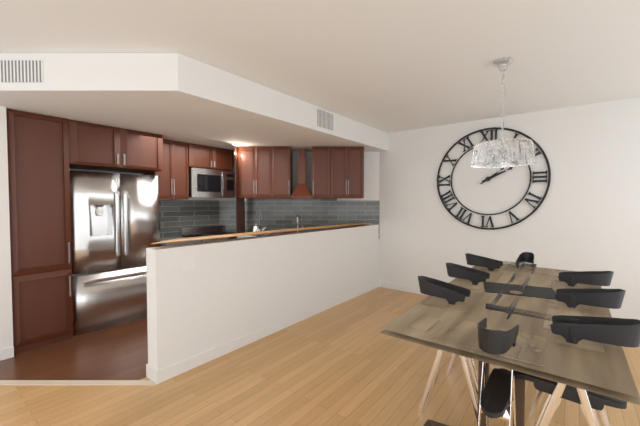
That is h=2 m=9
